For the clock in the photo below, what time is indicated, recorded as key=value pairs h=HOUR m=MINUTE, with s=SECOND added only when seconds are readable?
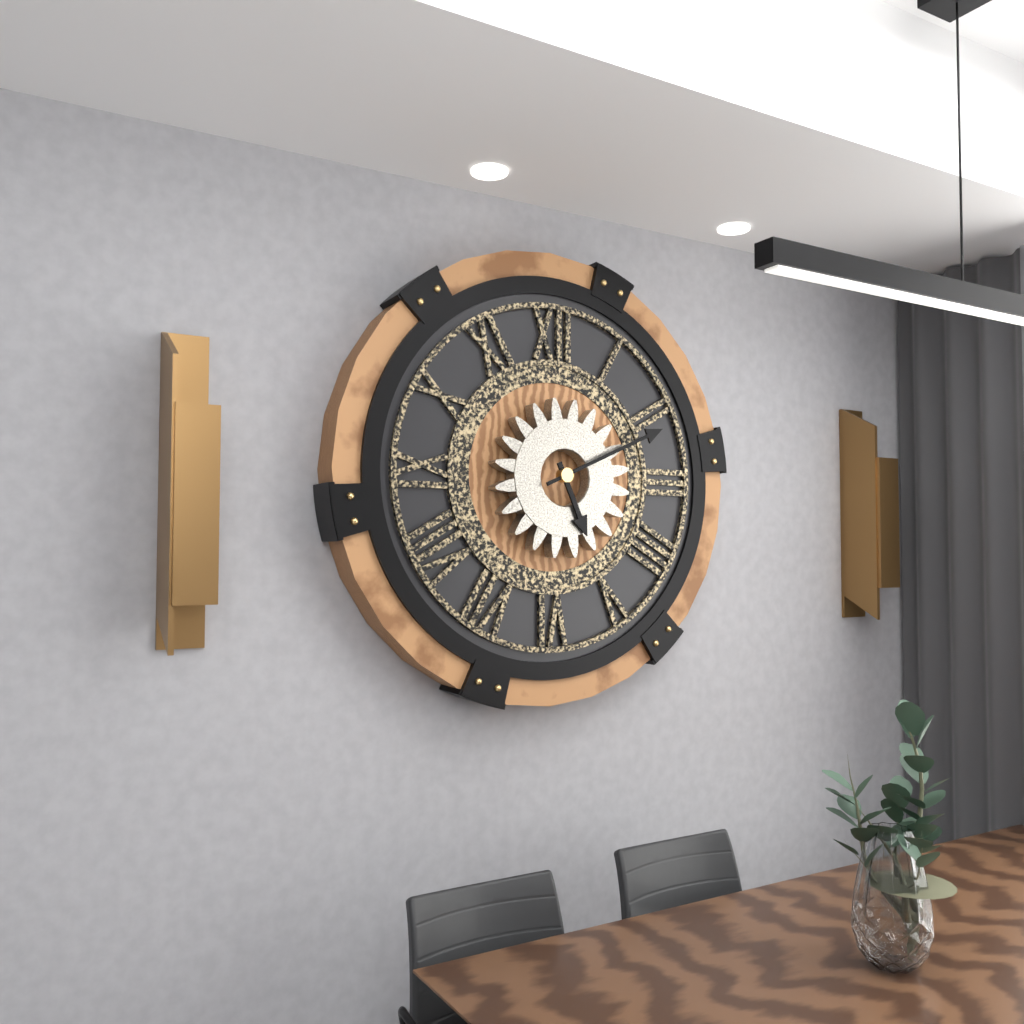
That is h=5 m=11
